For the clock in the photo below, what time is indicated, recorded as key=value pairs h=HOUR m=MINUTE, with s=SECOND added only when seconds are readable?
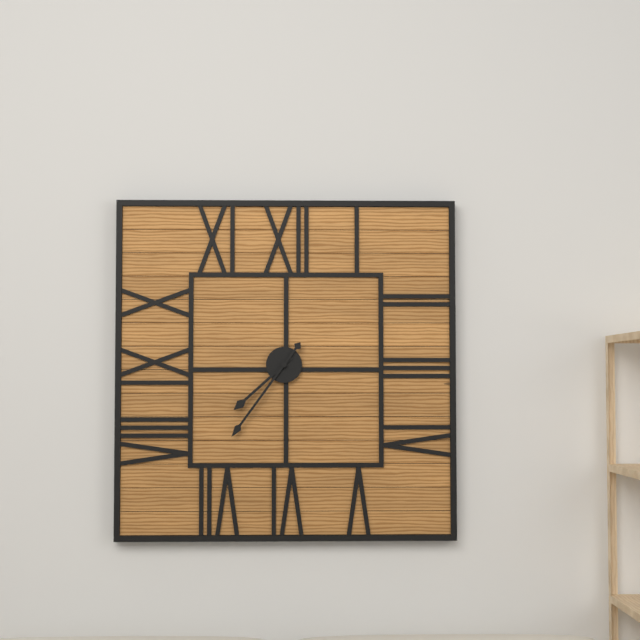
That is h=7 m=36
